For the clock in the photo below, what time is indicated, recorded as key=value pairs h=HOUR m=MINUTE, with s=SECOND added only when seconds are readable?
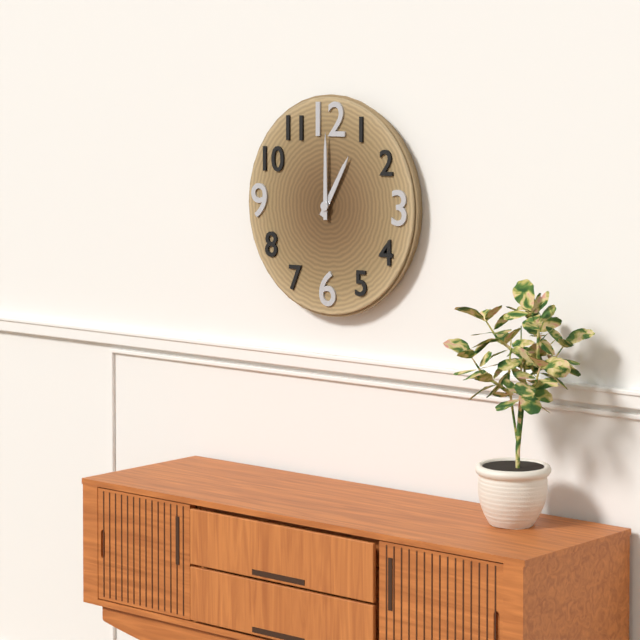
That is h=1 m=0
